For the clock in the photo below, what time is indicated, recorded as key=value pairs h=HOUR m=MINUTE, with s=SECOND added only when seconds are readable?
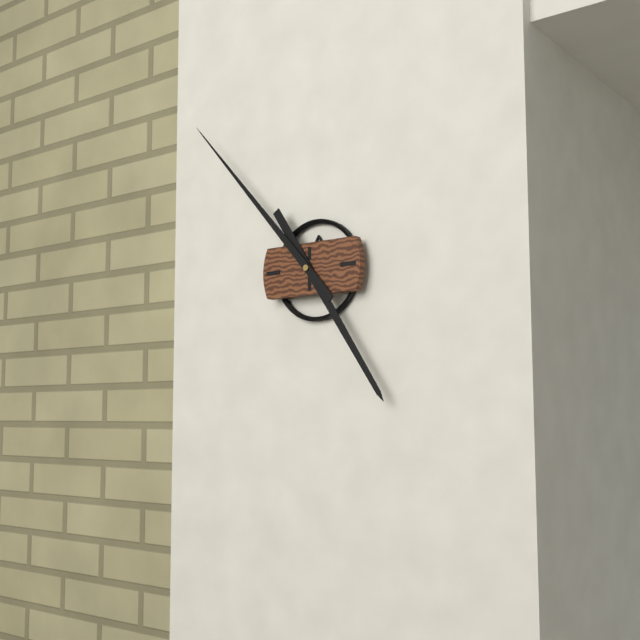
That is h=4 m=53
